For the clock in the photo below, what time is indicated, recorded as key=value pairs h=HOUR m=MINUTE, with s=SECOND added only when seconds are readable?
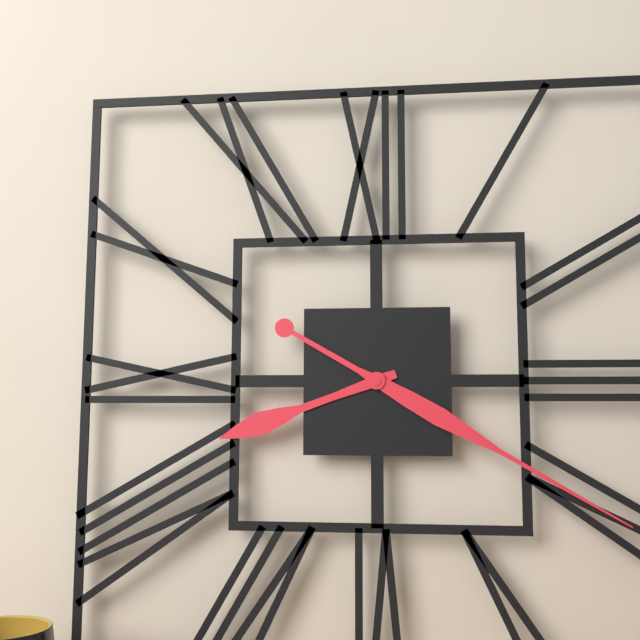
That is h=8 m=20
